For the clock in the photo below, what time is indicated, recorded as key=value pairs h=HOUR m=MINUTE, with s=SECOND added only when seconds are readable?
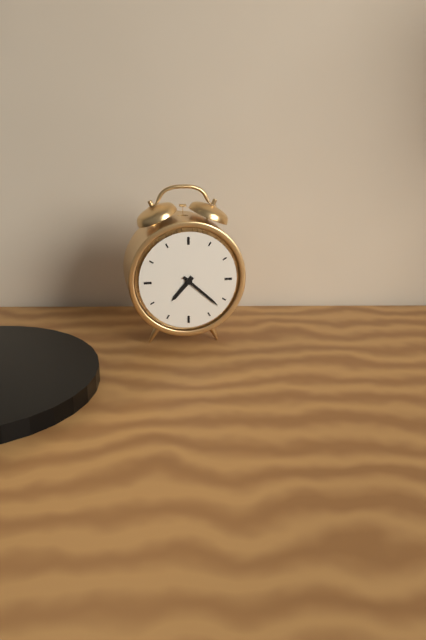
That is h=7 m=22
